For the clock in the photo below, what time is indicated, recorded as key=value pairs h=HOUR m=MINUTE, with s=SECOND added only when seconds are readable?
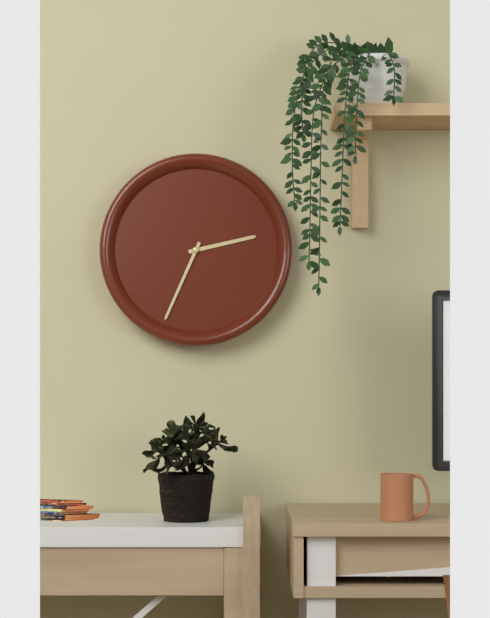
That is h=2 m=34
